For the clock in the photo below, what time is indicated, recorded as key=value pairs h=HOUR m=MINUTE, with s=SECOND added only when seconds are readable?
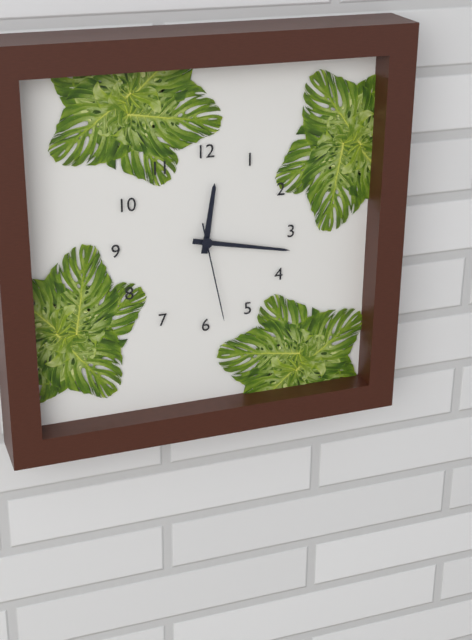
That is h=12 m=17 s=28
